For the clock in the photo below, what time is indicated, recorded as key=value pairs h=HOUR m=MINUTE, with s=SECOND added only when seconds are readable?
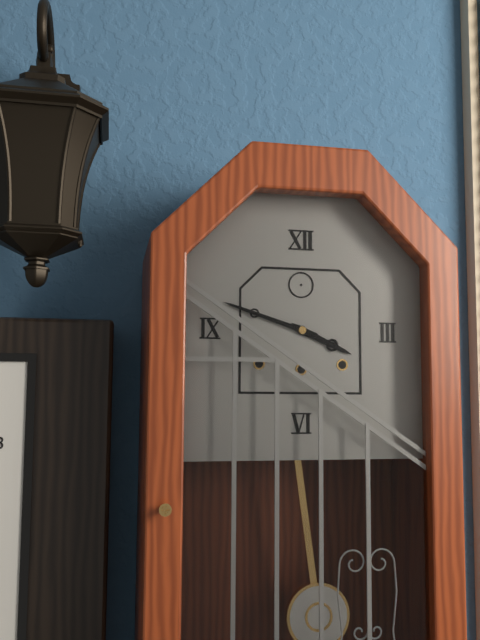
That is h=3 m=48
